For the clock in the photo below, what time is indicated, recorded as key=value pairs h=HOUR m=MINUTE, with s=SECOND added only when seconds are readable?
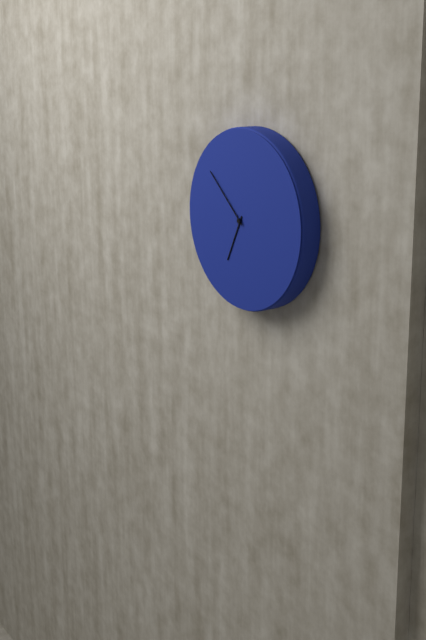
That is h=6 m=52
